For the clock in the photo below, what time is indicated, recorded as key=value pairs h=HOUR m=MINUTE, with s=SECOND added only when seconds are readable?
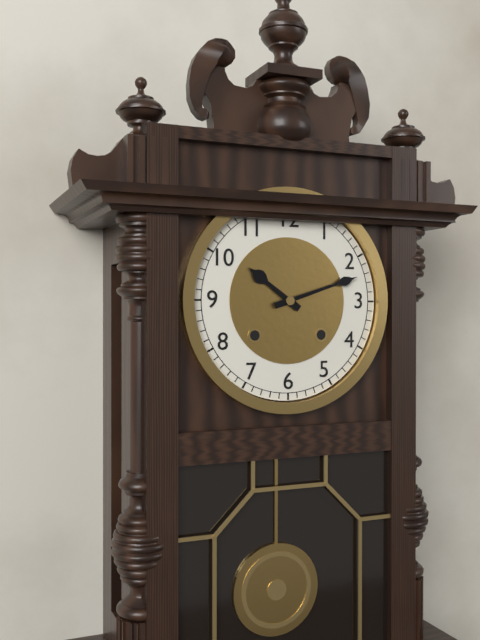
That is h=10 m=12
